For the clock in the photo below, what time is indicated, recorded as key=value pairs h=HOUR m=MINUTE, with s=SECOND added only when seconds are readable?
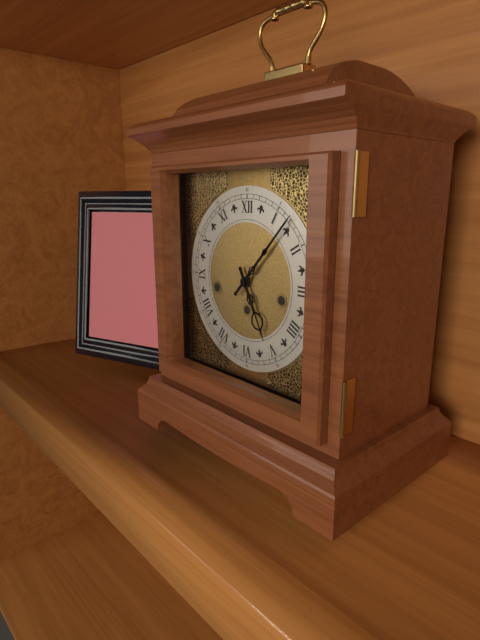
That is h=5 m=7
